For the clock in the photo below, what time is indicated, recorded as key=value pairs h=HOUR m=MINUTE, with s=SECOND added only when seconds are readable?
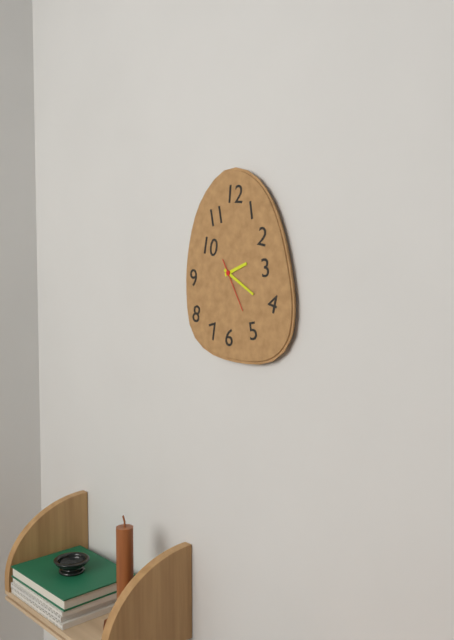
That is h=2 m=20 s=25
